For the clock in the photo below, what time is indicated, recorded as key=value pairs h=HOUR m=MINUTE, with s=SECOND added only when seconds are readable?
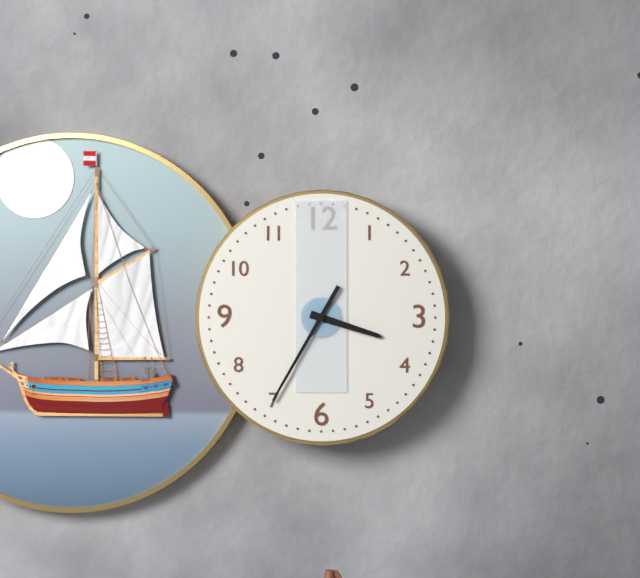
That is h=3 m=35
